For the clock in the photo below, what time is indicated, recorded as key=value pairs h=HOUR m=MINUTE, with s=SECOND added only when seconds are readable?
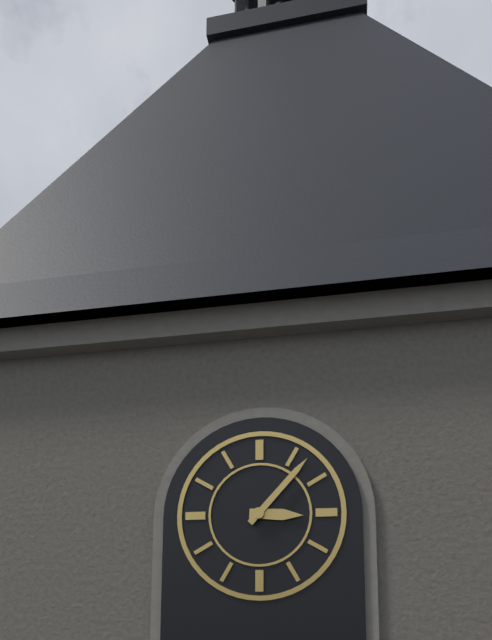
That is h=3 m=7
